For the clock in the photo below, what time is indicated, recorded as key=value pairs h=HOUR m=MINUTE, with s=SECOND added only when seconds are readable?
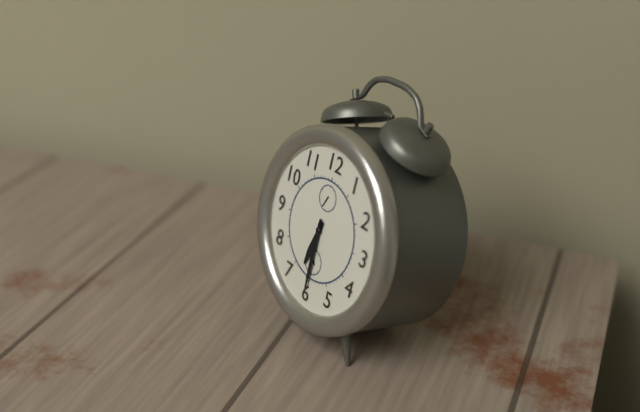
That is h=6 m=30
